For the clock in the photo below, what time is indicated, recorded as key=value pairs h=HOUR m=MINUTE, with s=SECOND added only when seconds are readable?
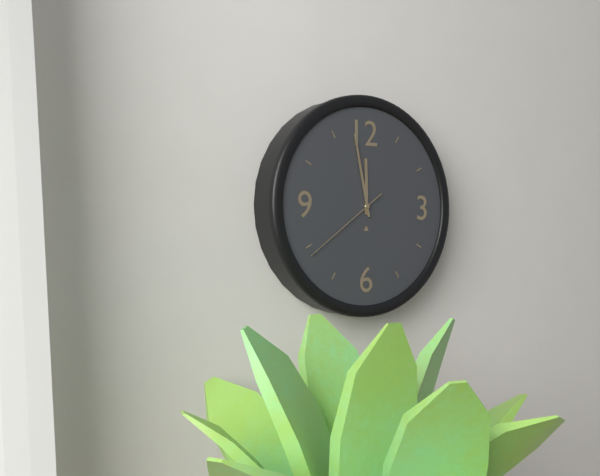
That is h=11 m=58 s=39
